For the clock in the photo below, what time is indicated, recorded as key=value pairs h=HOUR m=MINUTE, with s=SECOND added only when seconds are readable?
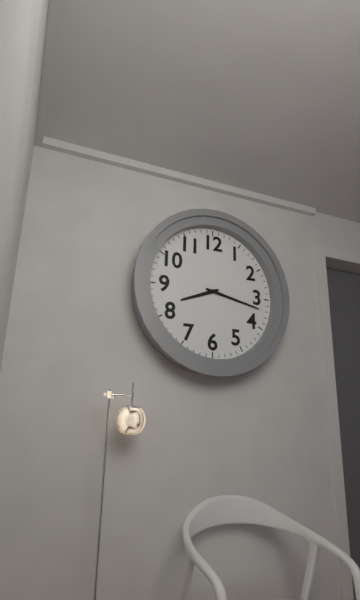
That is h=8 m=17
